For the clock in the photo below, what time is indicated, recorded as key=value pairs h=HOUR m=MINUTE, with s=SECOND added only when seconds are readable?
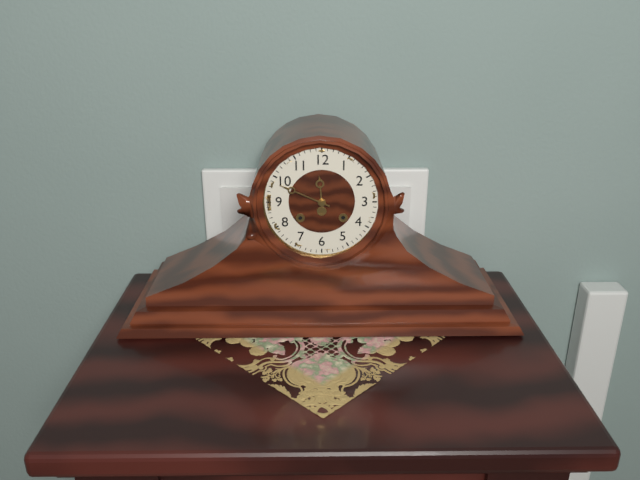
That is h=11 m=49
